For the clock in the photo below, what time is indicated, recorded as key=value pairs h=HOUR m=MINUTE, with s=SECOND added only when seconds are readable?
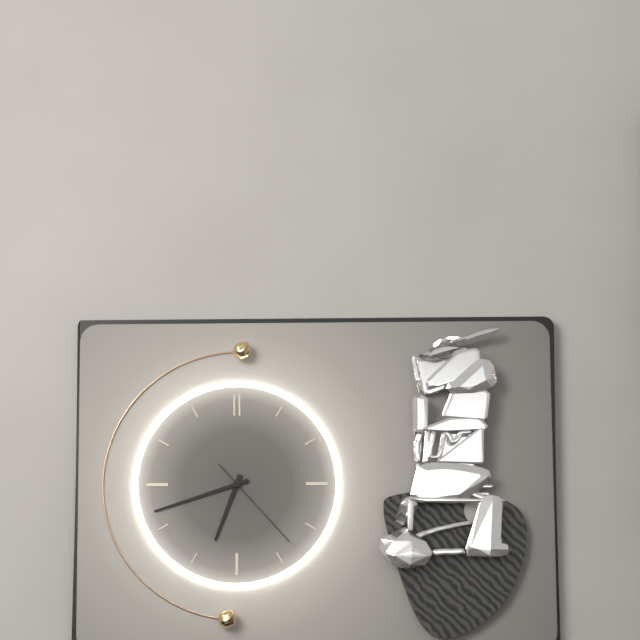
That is h=6 m=42 s=23
